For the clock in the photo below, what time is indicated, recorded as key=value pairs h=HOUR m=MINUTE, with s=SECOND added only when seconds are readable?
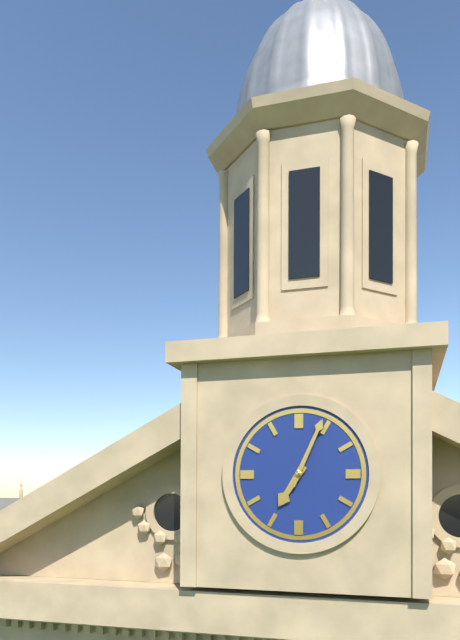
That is h=7 m=4
